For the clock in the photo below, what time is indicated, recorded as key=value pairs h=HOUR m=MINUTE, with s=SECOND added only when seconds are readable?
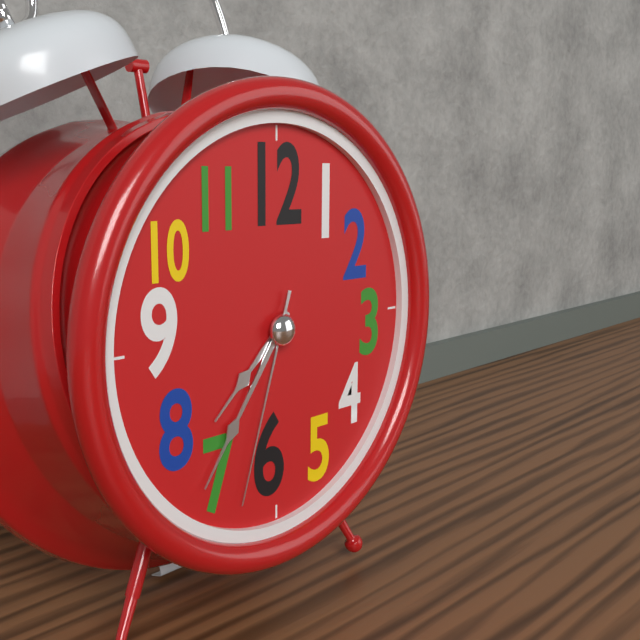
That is h=7 m=36 s=33
